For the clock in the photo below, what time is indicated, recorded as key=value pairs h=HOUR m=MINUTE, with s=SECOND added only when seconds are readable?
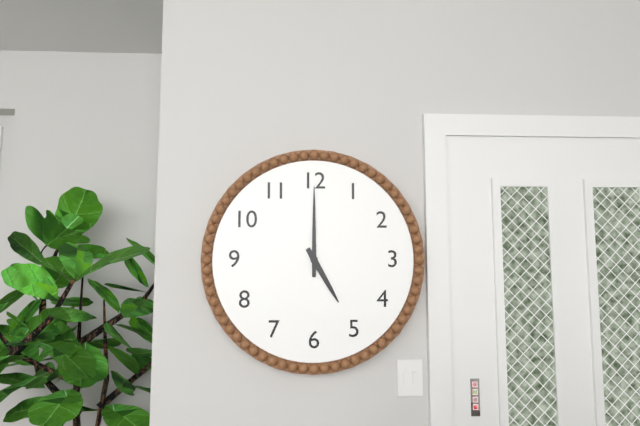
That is h=5 m=0
